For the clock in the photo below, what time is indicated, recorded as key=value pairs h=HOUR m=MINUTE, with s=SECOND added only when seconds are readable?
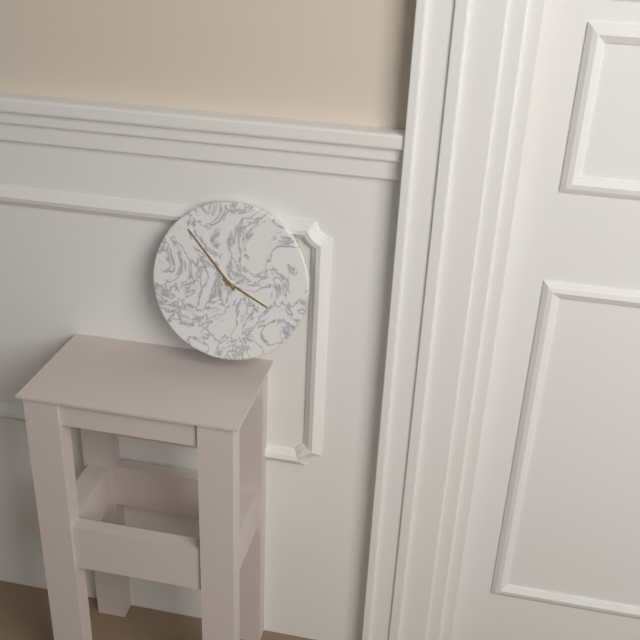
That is h=3 m=53
